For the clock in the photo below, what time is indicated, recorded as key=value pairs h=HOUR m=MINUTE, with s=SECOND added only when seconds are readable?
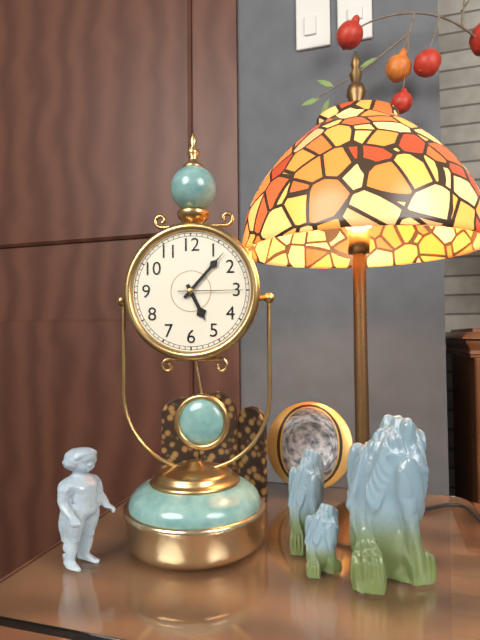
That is h=5 m=7 s=15
